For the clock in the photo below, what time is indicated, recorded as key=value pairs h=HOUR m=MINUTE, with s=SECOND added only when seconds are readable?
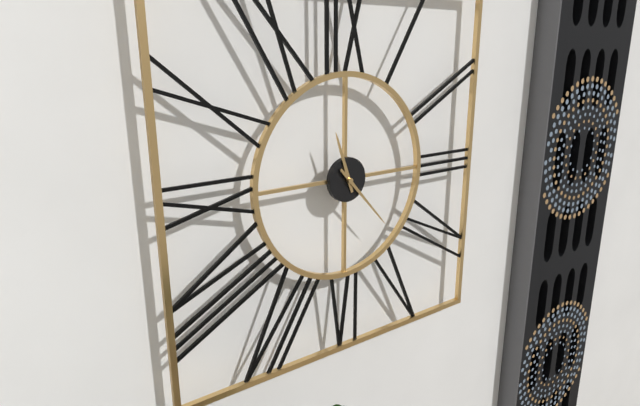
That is h=11 m=23
